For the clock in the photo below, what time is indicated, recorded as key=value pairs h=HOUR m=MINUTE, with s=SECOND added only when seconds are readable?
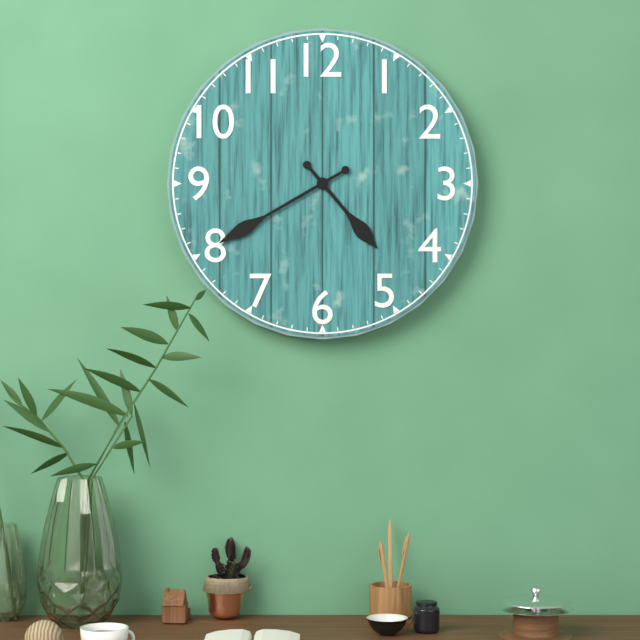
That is h=4 m=40
